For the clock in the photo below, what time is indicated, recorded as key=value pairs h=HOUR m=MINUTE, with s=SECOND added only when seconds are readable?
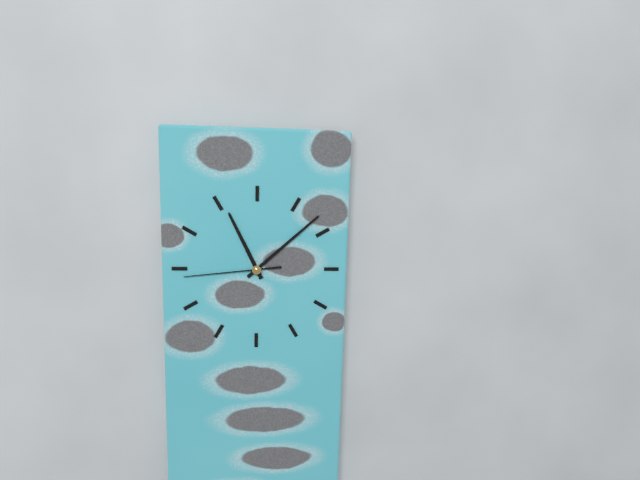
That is h=11 m=8 s=44
